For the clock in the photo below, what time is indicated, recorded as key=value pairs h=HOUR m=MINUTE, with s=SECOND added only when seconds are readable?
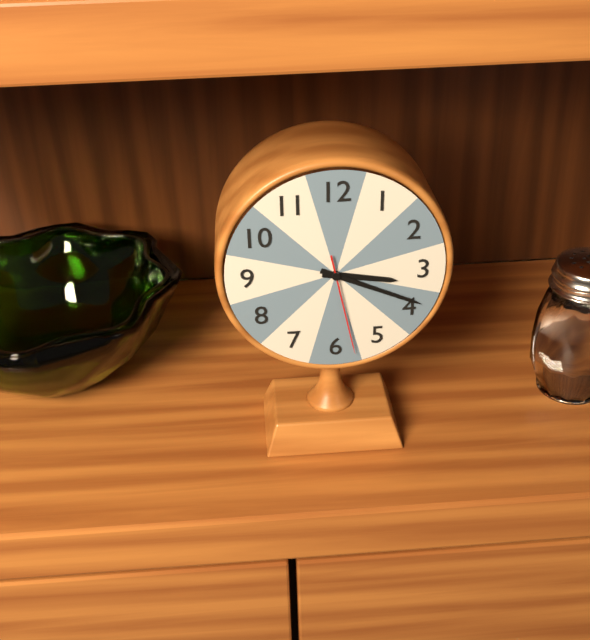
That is h=3 m=19 s=28
